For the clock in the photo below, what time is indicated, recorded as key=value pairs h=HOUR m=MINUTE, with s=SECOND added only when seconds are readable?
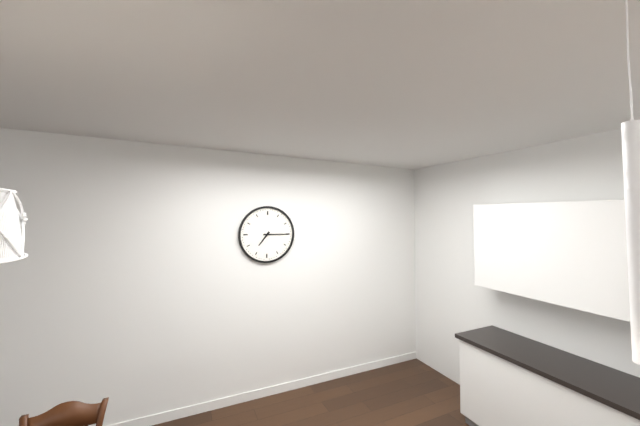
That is h=7 m=15
